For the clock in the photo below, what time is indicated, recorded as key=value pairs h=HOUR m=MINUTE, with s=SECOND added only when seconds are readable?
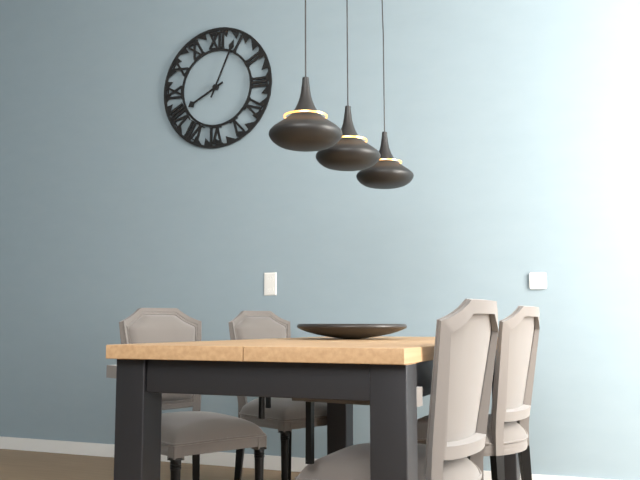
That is h=8 m=4
